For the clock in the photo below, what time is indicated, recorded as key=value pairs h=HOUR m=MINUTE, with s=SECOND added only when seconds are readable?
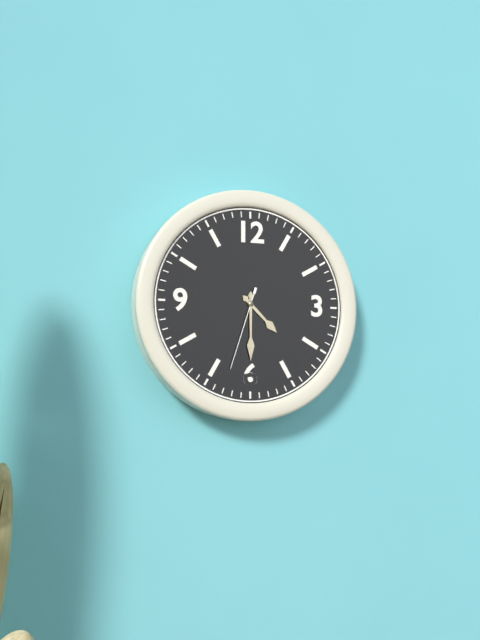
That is h=4 m=30 s=33
